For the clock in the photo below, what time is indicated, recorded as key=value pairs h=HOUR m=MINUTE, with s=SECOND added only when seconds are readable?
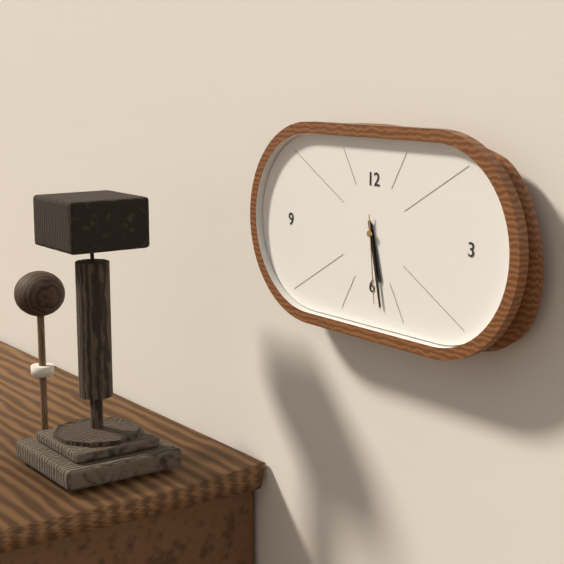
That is h=5 m=28 s=29
